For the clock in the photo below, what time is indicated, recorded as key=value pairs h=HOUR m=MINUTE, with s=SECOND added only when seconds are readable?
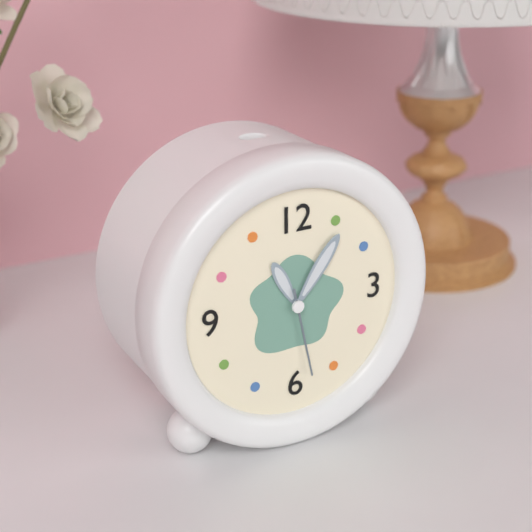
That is h=11 m=6 s=28
